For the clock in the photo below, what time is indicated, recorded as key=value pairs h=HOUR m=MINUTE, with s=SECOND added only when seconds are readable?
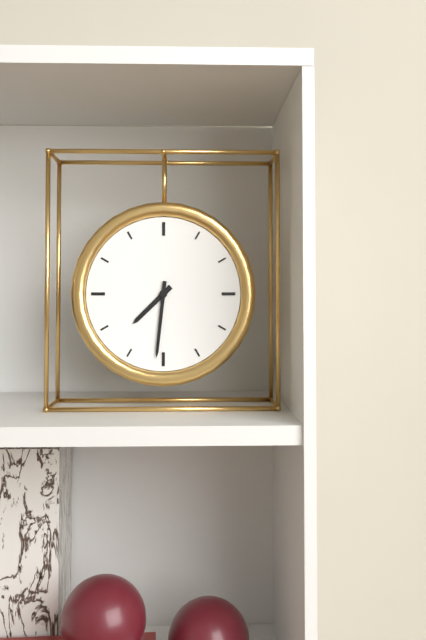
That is h=7 m=31
